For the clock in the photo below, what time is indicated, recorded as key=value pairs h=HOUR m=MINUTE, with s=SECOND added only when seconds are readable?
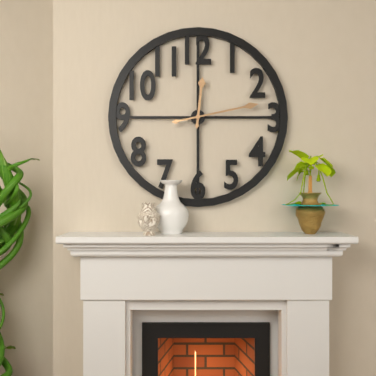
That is h=12 m=13
